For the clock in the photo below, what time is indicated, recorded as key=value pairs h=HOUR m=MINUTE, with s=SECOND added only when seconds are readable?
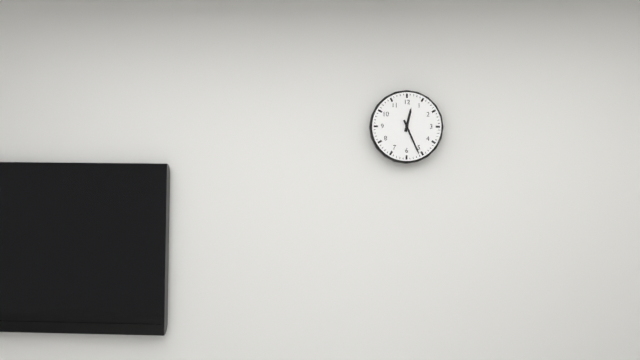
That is h=12 m=26
